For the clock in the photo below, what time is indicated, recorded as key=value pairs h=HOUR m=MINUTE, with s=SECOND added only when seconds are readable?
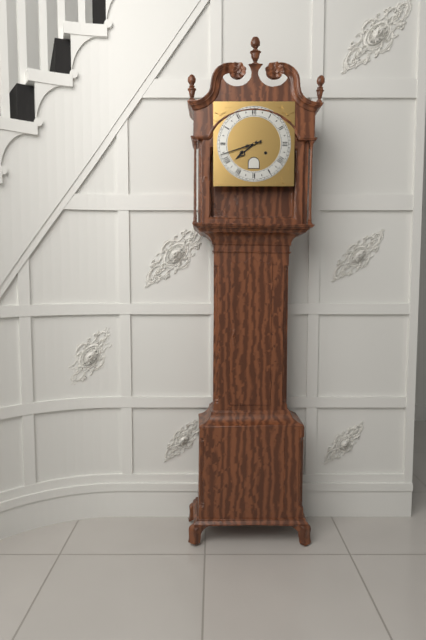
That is h=7 m=42
